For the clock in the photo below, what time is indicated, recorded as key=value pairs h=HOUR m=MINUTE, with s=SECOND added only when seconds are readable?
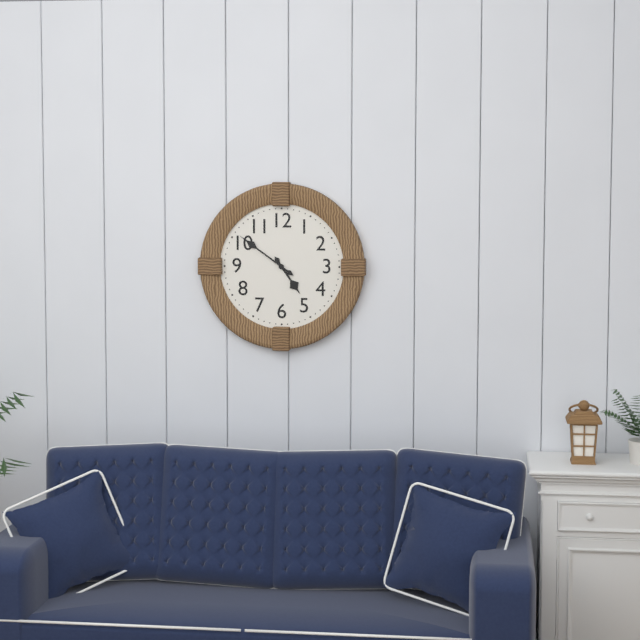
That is h=4 m=51
